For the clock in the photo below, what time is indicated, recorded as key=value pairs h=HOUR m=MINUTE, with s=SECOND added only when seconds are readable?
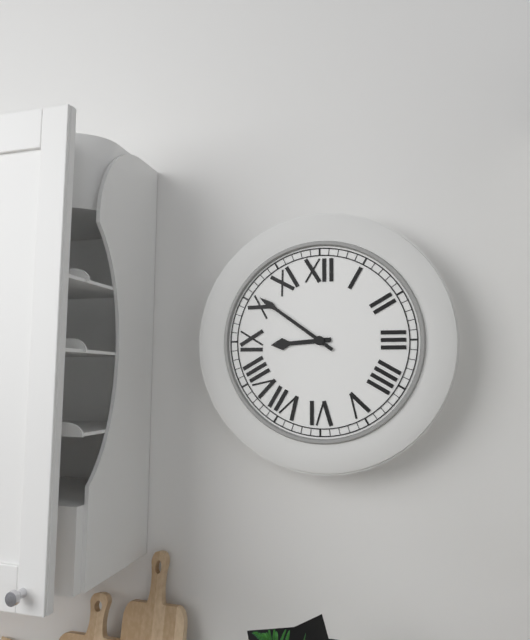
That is h=8 m=51
